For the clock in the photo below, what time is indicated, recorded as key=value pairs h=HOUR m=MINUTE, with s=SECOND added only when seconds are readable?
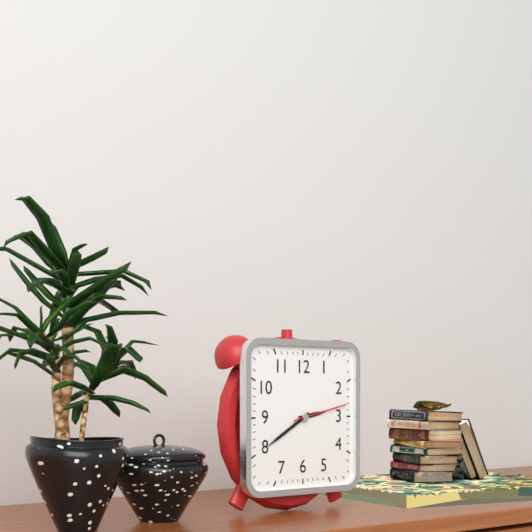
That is h=2 m=40 s=13
